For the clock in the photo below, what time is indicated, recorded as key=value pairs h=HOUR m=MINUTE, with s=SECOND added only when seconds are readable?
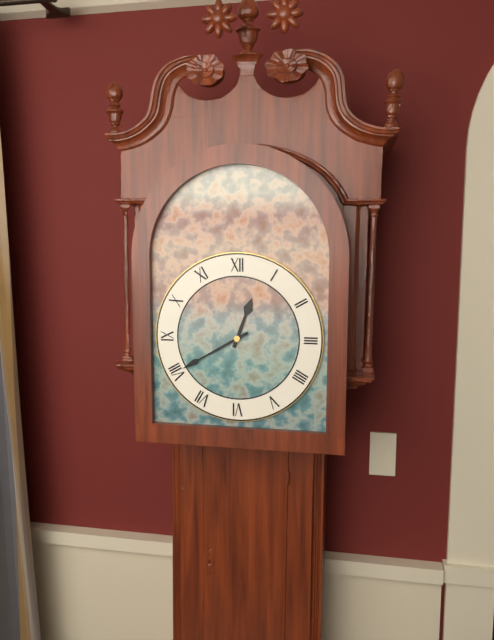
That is h=12 m=40
